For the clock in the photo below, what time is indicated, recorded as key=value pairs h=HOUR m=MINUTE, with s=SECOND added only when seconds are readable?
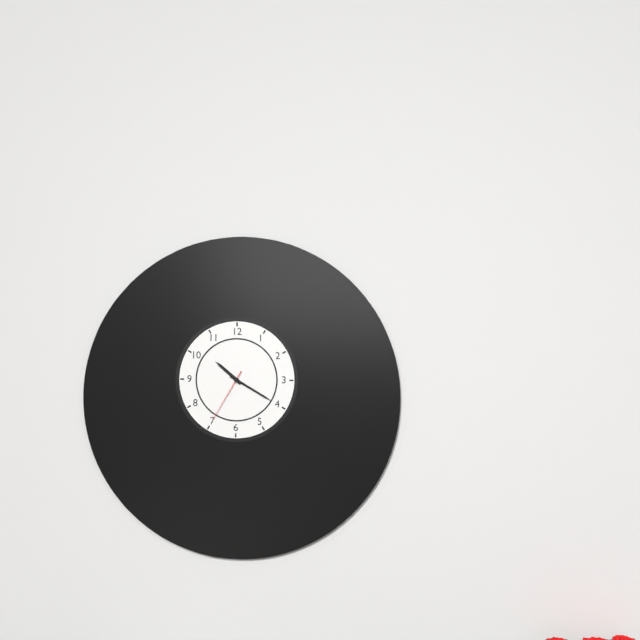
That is h=10 m=20 s=35
